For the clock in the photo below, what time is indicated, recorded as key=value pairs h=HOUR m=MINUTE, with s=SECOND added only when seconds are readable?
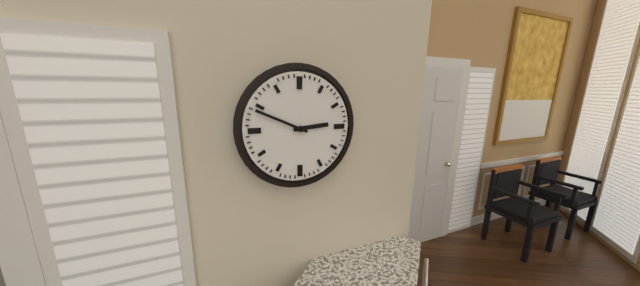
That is h=2 m=49
